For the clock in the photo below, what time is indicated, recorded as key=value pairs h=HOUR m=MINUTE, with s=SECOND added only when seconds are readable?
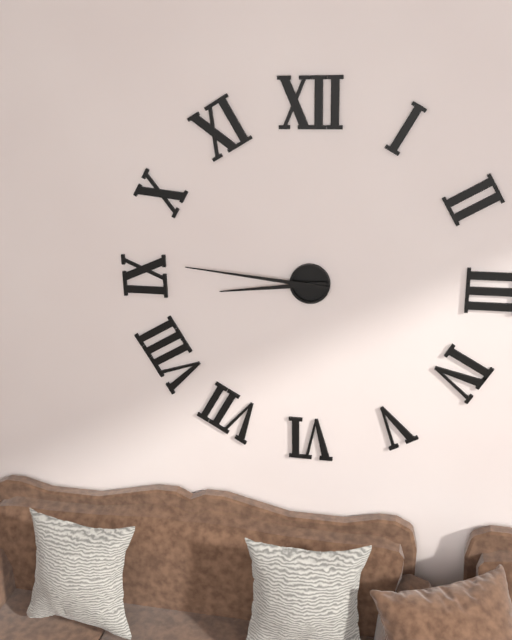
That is h=8 m=46
